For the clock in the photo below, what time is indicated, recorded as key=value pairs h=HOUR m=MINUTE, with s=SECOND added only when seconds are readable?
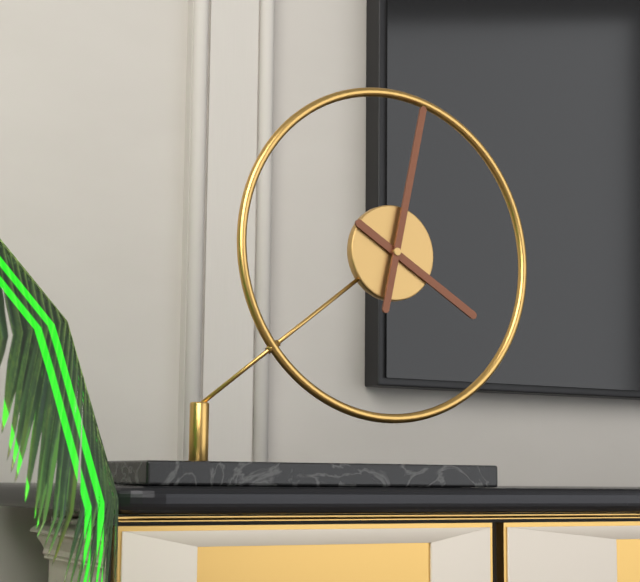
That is h=4 m=2
